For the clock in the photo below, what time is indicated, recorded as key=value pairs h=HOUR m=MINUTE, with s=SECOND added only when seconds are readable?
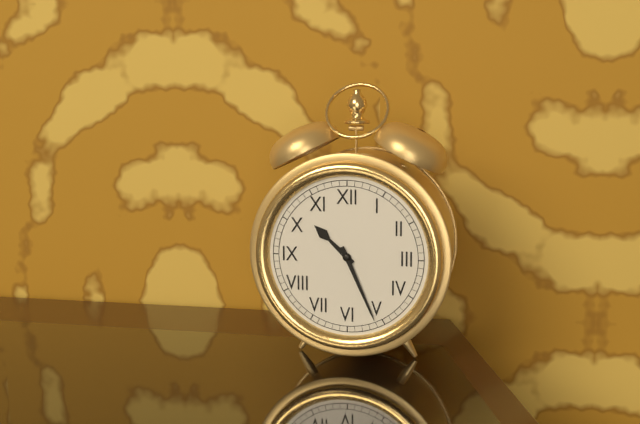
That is h=10 m=26
